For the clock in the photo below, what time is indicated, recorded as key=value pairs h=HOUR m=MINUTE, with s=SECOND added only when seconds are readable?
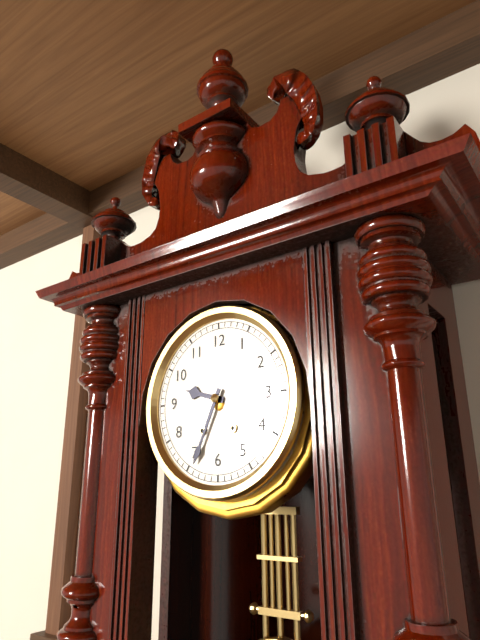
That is h=9 m=34
